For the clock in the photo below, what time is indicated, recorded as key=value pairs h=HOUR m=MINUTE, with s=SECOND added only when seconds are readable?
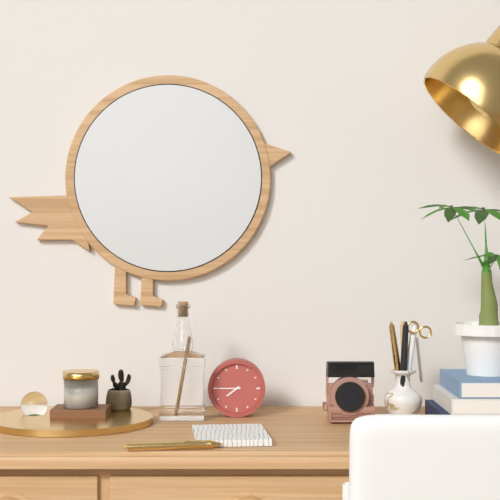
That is h=7 m=45
